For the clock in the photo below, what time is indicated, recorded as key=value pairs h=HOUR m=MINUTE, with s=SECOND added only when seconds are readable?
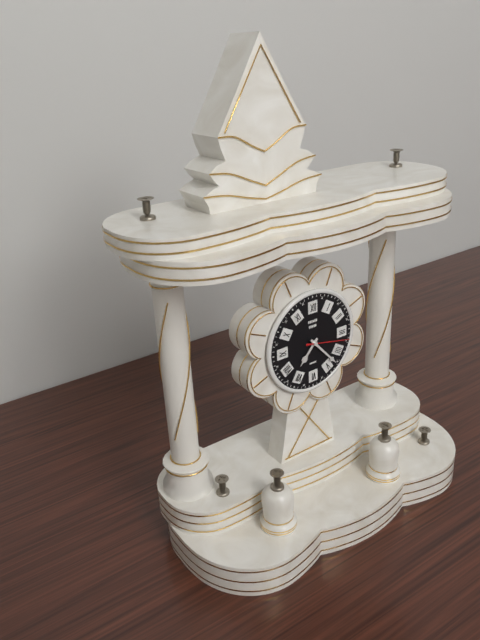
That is h=7 m=23
